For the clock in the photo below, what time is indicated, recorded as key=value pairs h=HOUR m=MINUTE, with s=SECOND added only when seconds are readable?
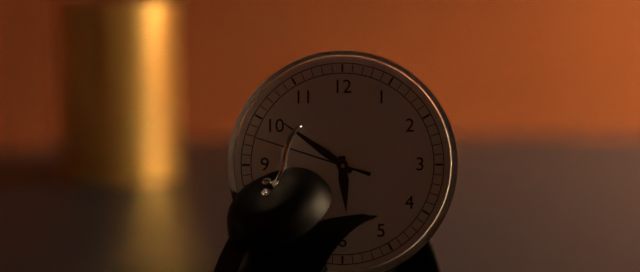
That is h=5 m=51 s=48
